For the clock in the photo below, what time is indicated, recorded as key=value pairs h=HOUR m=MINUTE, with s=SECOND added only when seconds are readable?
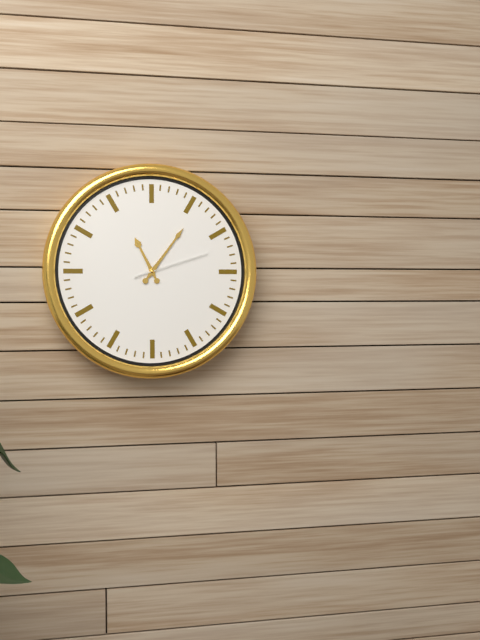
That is h=11 m=6 s=12
